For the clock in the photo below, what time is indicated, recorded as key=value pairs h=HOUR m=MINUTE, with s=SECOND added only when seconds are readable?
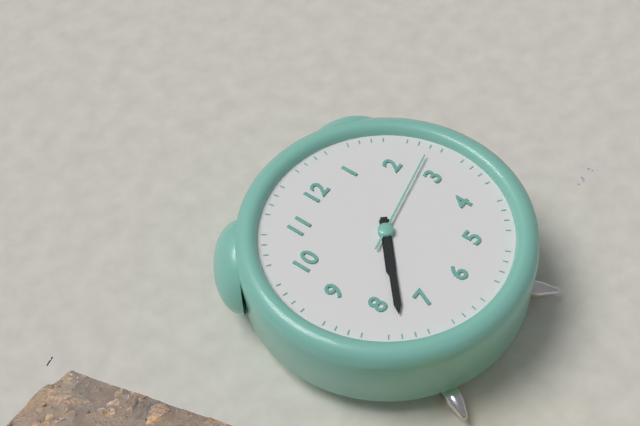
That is h=7 m=38 s=13
